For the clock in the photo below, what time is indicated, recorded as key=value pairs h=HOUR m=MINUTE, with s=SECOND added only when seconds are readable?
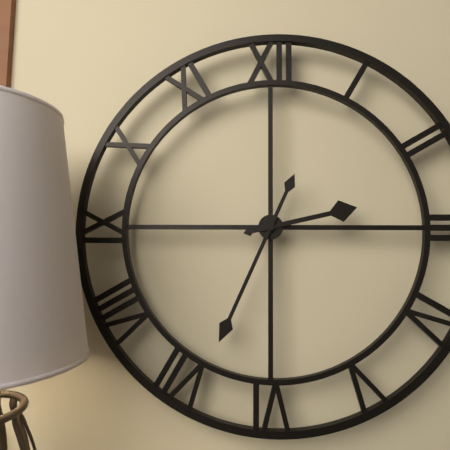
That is h=2 m=34
